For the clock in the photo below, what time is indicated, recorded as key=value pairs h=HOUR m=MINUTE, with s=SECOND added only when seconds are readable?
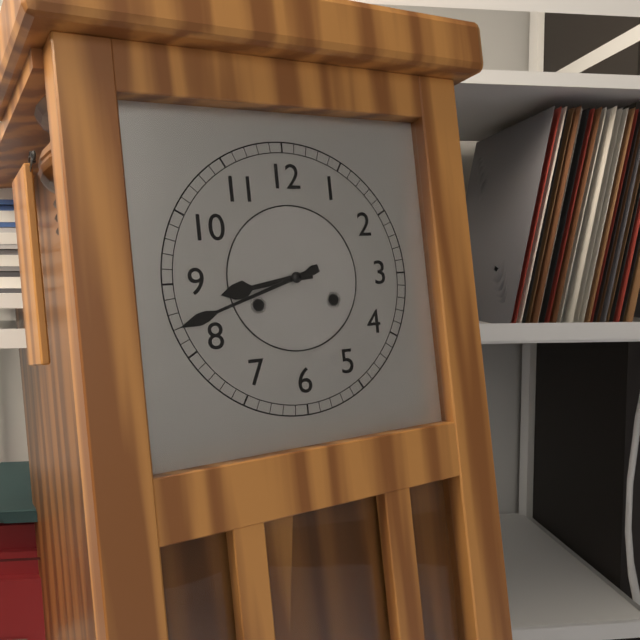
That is h=8 m=42
